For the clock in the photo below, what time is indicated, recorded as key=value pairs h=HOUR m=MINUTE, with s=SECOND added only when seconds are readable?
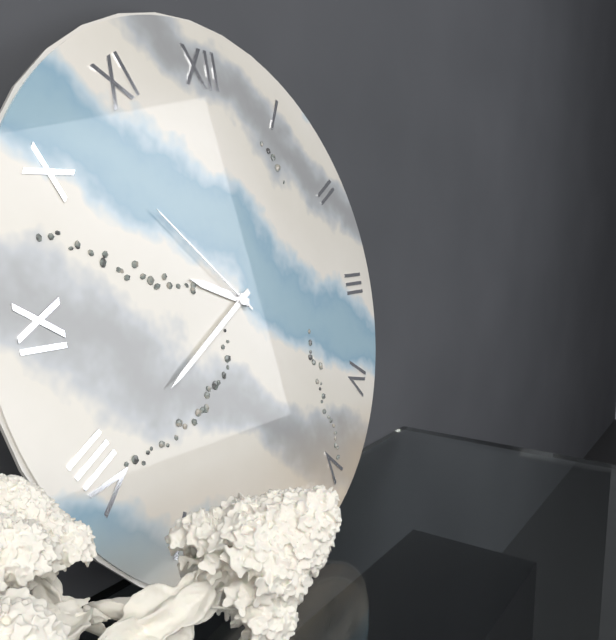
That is h=9 m=40 s=52
